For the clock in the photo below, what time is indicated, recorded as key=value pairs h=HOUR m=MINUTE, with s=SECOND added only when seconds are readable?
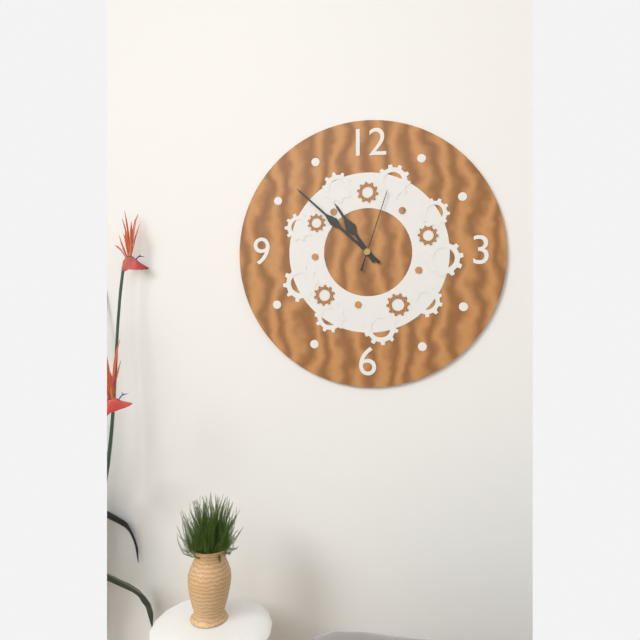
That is h=10 m=52 s=3
